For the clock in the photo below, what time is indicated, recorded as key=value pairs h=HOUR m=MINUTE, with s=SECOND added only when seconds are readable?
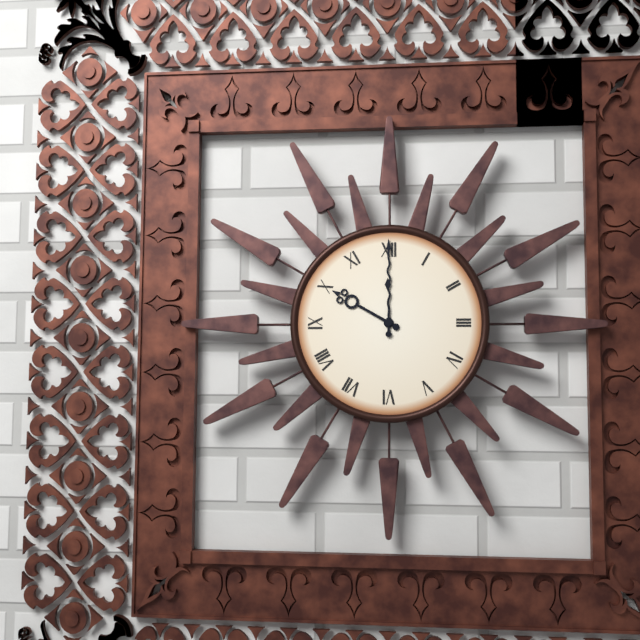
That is h=10 m=0
